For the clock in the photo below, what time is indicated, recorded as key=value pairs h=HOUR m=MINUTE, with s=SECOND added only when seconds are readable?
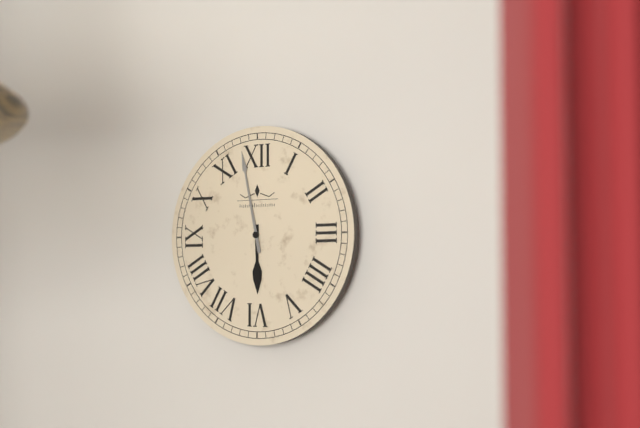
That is h=5 m=58
